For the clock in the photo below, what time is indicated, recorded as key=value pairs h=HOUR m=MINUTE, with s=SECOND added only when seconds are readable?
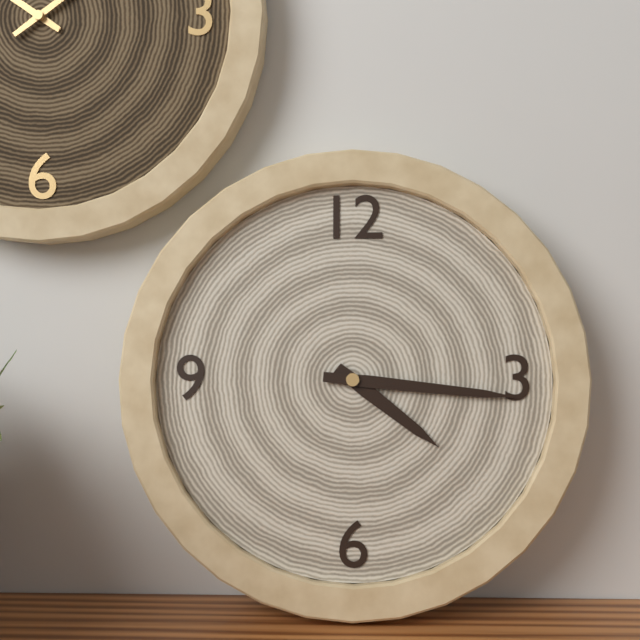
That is h=4 m=16
